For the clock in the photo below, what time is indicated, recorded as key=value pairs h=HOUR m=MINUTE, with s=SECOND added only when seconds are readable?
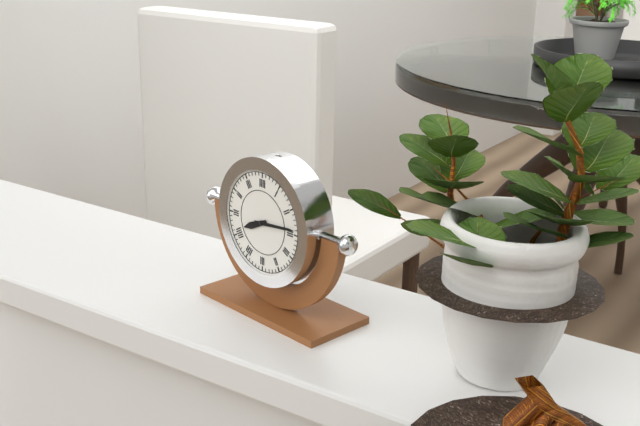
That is h=8 m=14
